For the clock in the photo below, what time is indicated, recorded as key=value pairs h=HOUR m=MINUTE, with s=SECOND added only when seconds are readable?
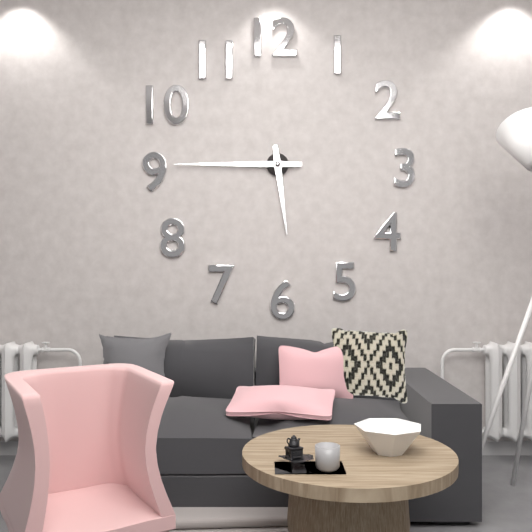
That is h=5 m=45
